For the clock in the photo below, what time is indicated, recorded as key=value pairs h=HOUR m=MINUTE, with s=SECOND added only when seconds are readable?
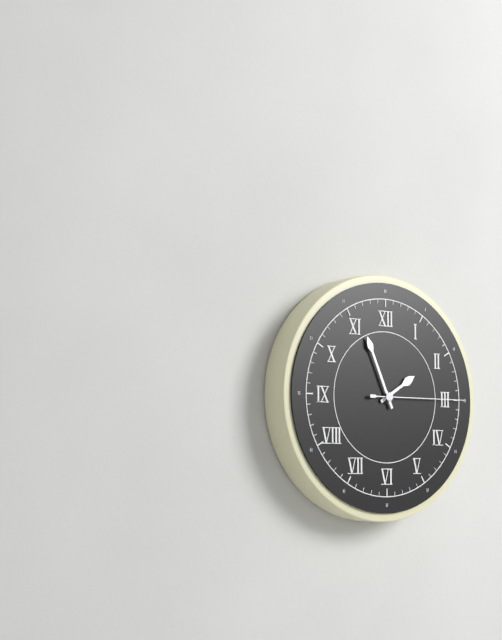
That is h=1 m=56 s=15
